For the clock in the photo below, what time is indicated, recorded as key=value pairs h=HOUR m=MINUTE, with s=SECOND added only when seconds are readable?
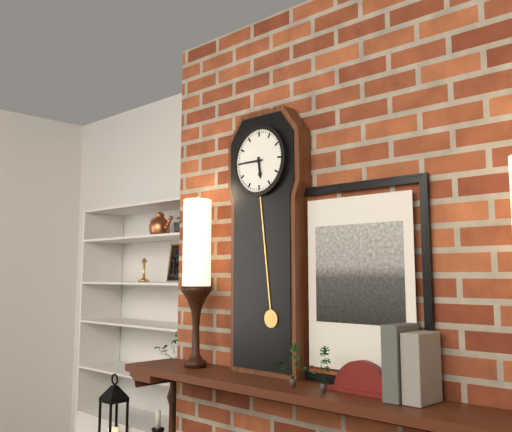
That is h=5 m=45
